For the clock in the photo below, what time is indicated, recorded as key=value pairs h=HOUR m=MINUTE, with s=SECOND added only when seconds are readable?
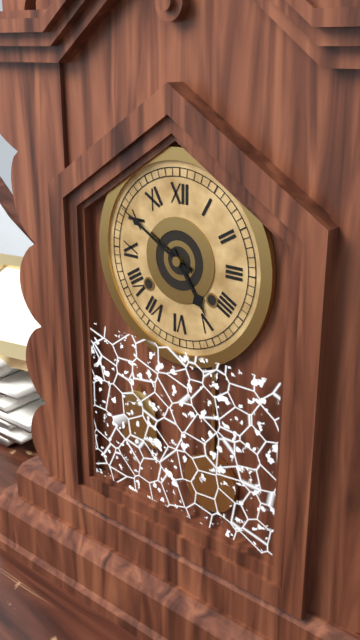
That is h=4 m=50
